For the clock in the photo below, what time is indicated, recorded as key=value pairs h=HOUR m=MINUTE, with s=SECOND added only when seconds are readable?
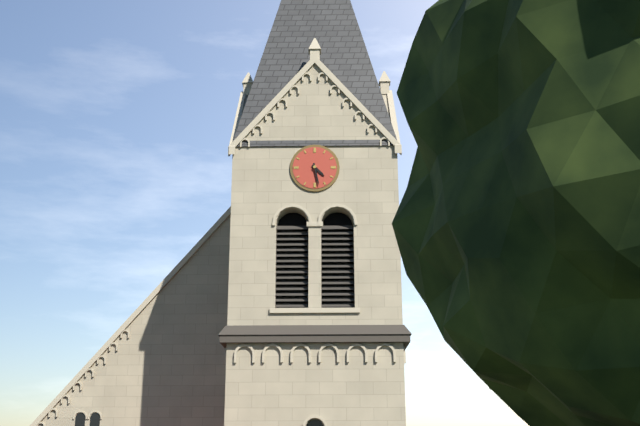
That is h=4 m=28
